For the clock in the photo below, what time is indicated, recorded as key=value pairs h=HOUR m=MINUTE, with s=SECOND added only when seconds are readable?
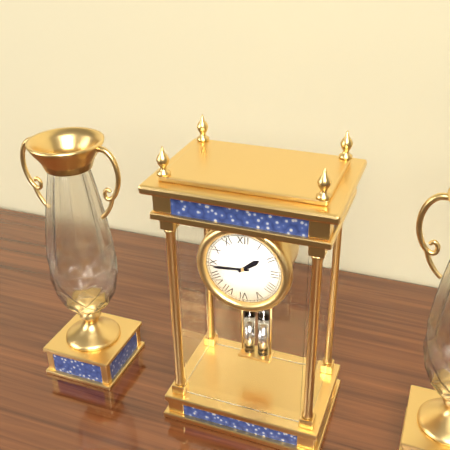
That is h=1 m=44
